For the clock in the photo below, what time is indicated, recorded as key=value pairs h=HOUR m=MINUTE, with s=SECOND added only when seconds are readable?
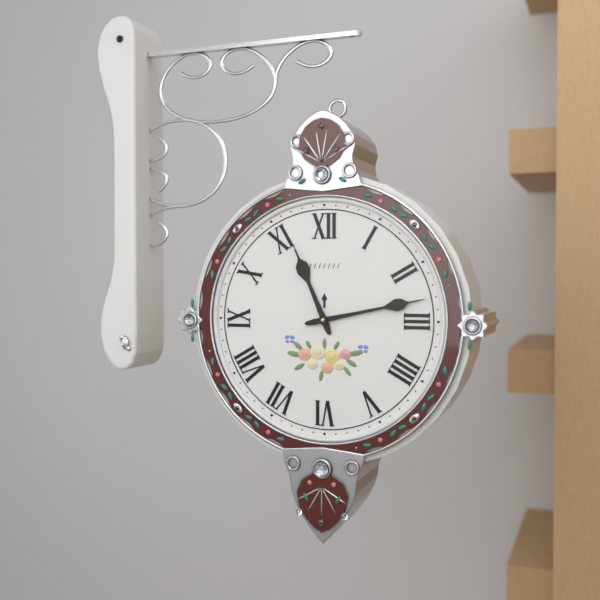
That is h=11 m=13
